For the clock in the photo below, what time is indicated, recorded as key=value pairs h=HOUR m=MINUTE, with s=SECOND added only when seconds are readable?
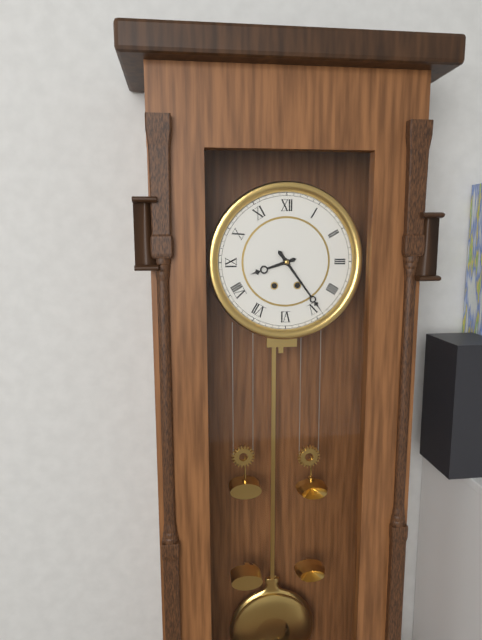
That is h=8 m=24
